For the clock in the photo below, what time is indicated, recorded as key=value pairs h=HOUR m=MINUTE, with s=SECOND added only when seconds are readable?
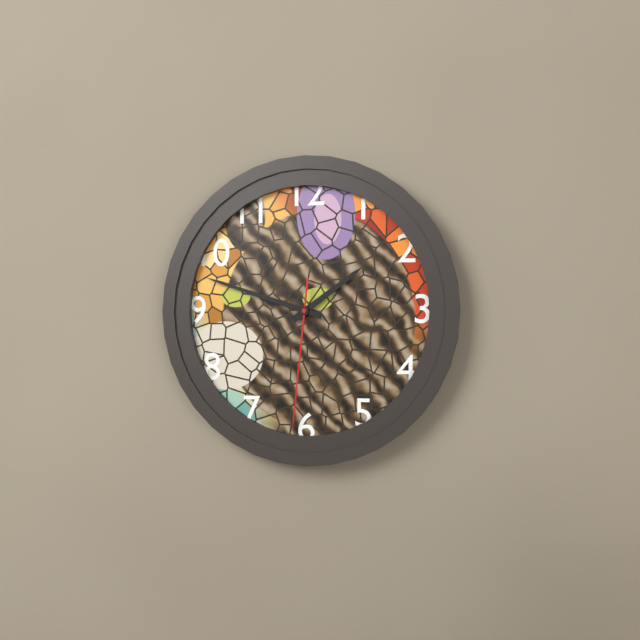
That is h=1 m=48 s=31
